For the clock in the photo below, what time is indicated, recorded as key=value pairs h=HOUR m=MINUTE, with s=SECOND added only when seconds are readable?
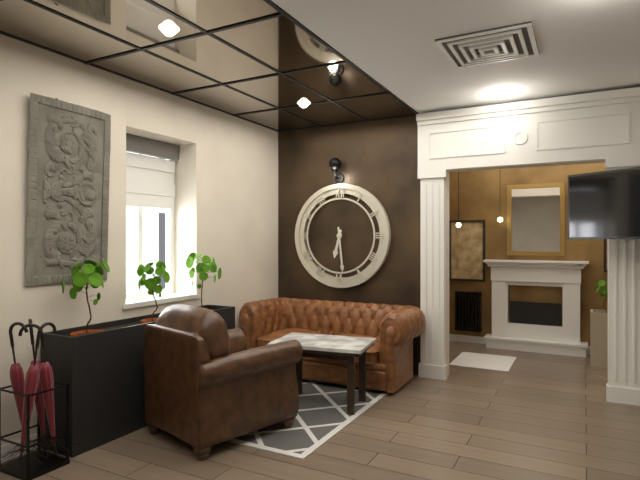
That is h=6 m=29
